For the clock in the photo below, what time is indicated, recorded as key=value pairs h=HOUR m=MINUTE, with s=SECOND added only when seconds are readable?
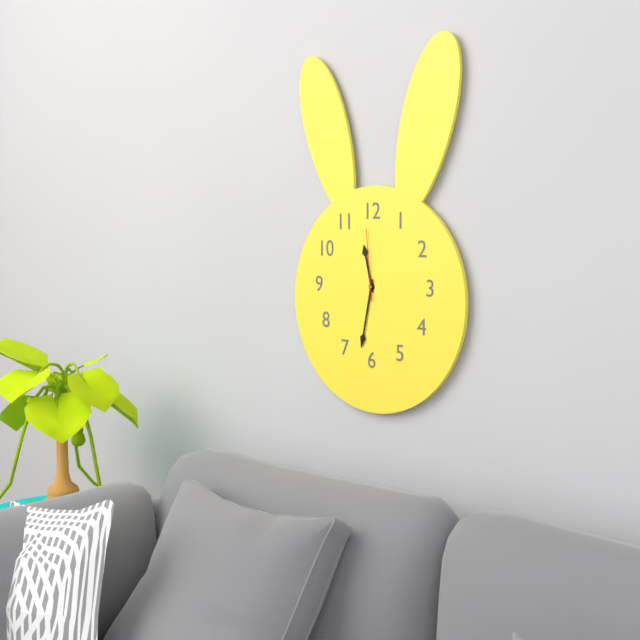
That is h=11 m=32 s=59
